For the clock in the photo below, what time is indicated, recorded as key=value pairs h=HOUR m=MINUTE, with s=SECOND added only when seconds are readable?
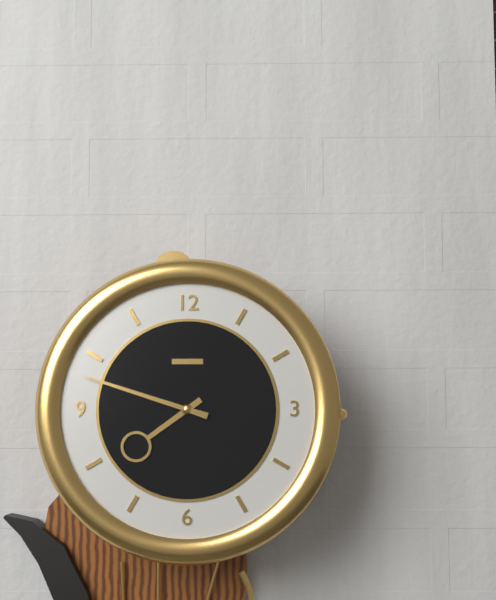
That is h=7 m=48
